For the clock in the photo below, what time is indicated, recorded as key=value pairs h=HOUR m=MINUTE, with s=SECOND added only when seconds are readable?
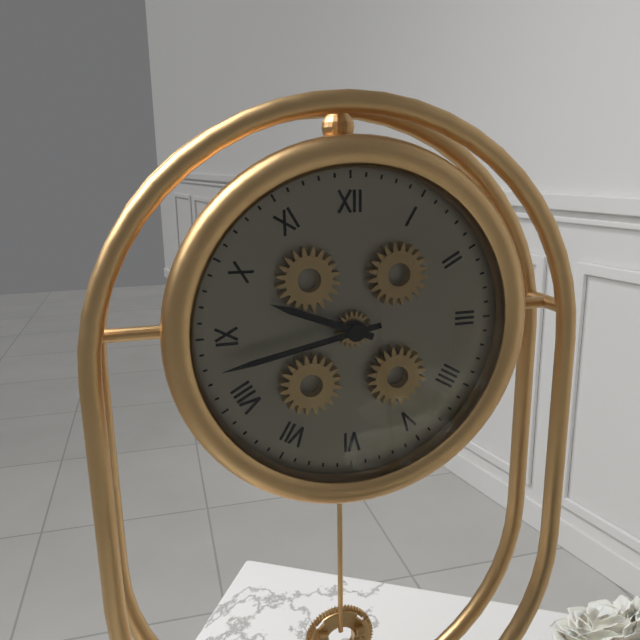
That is h=9 m=43
